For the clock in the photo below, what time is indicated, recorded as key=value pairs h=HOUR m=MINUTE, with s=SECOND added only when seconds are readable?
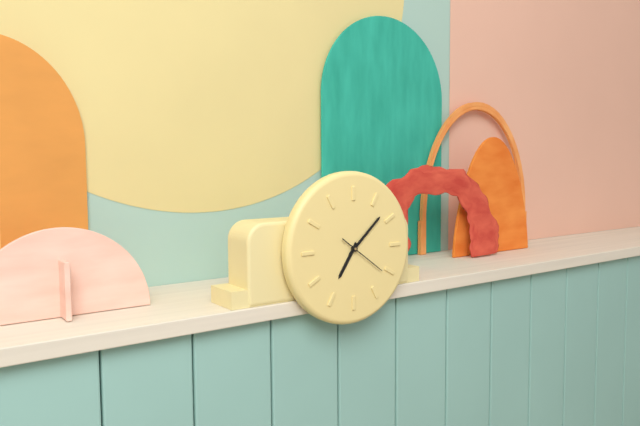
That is h=7 m=8
